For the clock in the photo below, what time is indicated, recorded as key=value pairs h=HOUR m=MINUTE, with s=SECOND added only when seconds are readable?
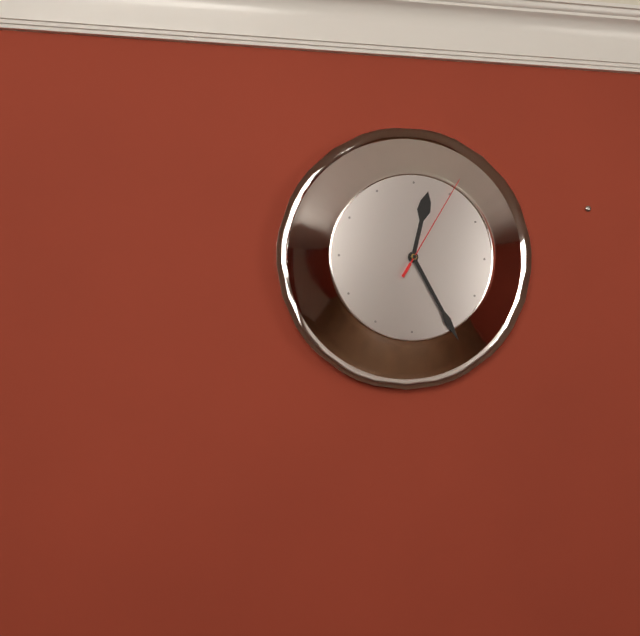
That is h=12 m=25 s=5
